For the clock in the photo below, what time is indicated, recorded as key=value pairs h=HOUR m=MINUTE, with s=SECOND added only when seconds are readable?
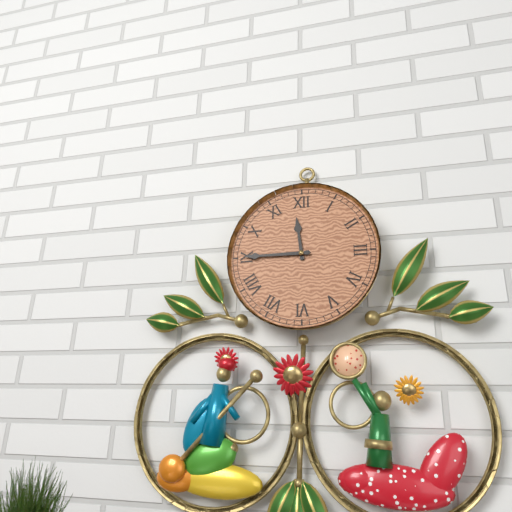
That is h=11 m=45
